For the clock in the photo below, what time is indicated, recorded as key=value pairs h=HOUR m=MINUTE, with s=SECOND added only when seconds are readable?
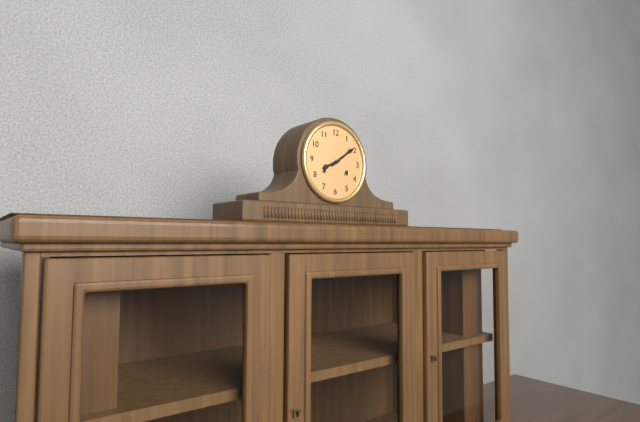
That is h=8 m=9
